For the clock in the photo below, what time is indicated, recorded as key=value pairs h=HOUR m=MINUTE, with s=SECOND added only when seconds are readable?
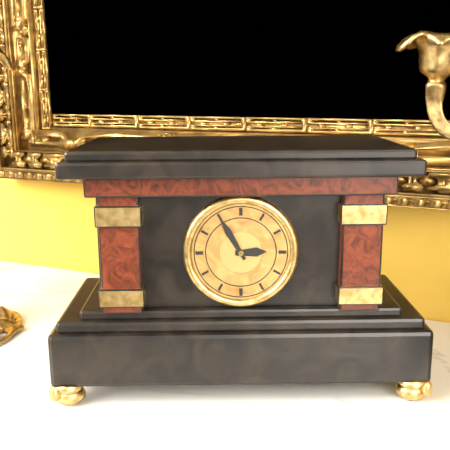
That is h=2 m=55
